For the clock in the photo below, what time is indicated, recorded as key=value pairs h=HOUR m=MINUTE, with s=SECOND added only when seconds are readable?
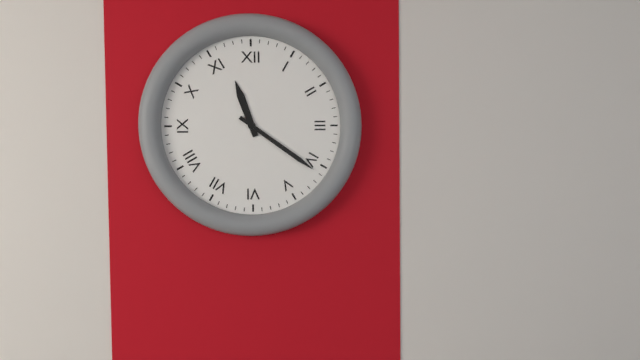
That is h=11 m=21
